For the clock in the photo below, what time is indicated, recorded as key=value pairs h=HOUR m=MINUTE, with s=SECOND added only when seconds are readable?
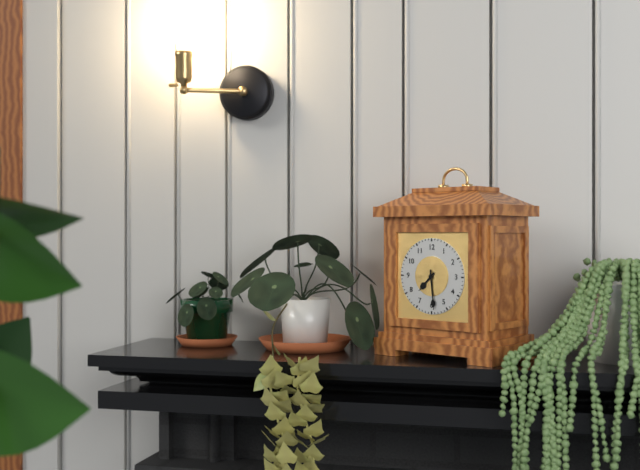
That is h=7 m=29
